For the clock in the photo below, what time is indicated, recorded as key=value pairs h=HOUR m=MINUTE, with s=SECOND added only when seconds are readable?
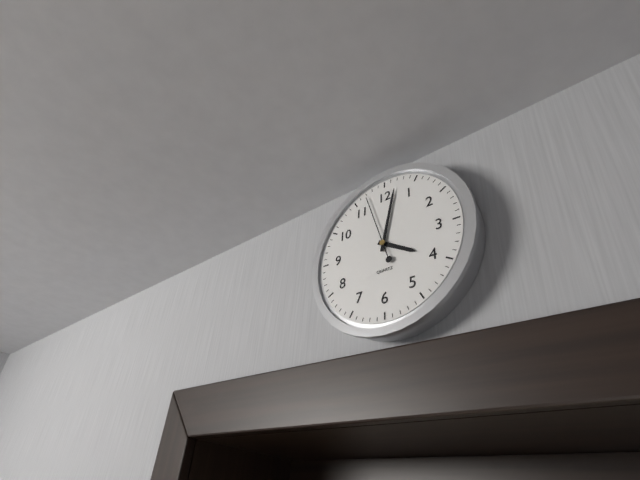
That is h=4 m=2 s=57
